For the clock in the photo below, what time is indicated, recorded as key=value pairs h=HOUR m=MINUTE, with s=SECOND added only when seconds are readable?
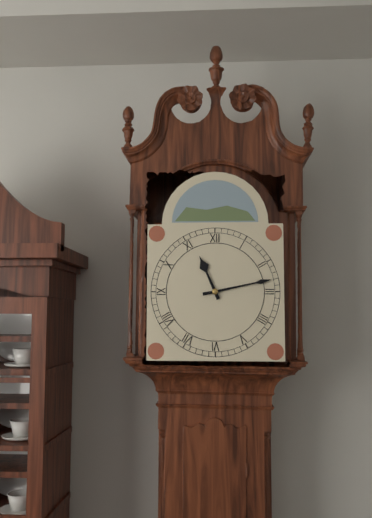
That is h=11 m=13
